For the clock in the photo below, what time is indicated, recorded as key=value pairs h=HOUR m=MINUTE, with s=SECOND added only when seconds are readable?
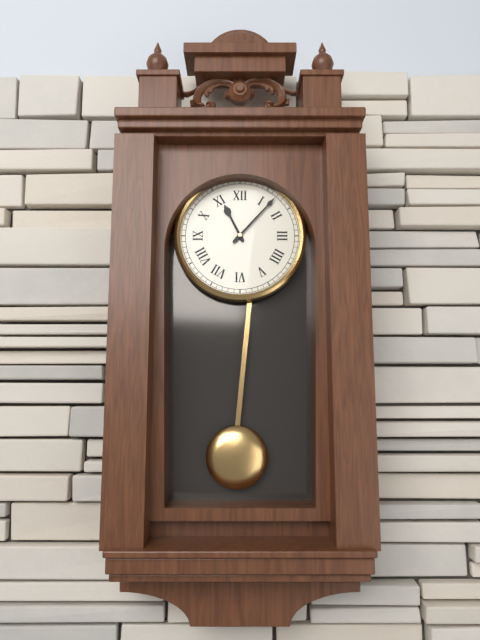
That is h=11 m=7
